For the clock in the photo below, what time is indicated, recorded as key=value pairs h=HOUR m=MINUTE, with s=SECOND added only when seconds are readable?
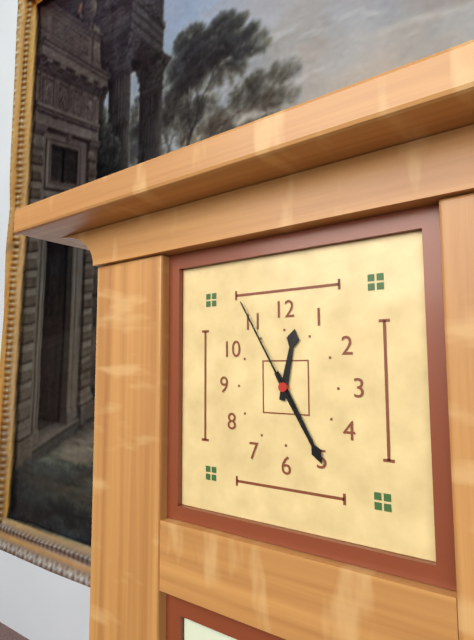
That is h=12 m=25 s=55
